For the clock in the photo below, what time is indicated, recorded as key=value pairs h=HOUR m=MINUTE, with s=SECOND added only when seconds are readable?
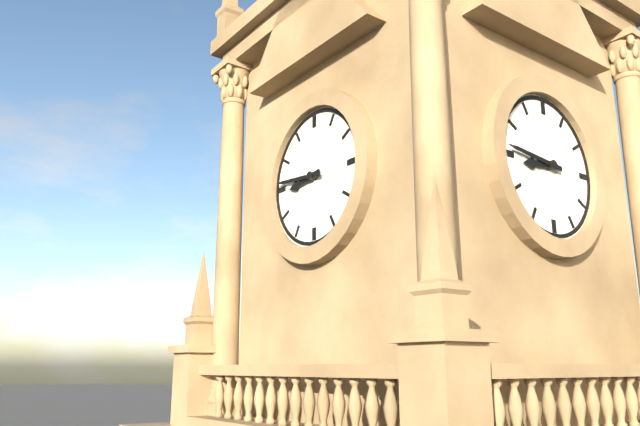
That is h=8 m=46
